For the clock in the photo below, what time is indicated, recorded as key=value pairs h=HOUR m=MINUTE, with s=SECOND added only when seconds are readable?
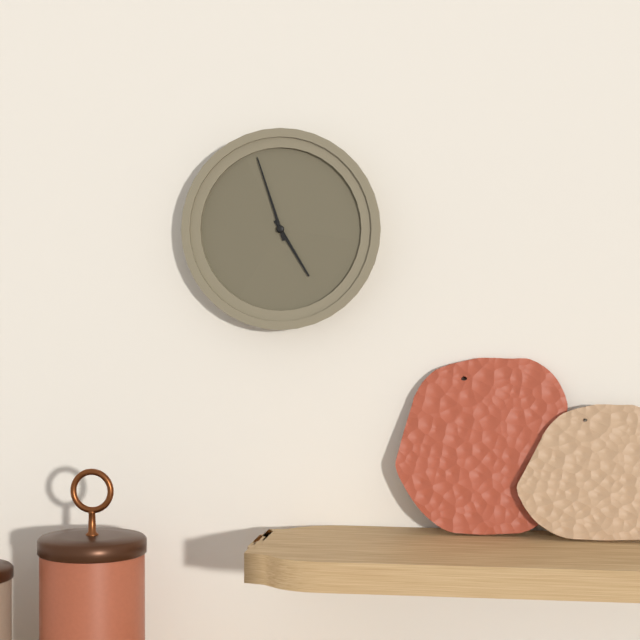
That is h=4 m=57
